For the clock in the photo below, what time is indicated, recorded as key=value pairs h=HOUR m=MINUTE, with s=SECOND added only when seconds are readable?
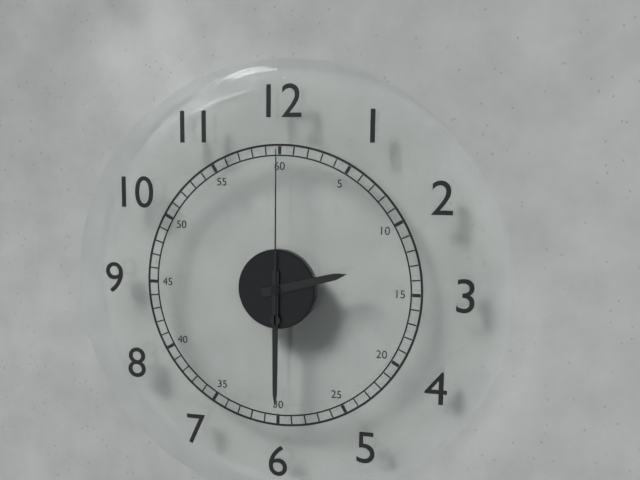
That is h=2 m=30 s=0
